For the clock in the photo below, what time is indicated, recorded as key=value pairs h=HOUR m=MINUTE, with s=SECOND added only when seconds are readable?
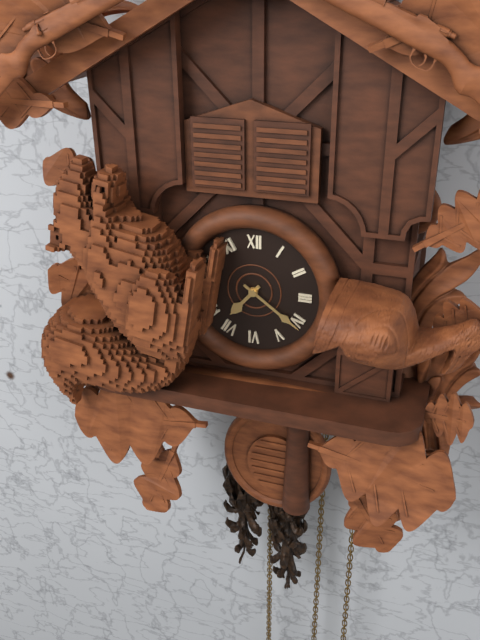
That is h=7 m=21
